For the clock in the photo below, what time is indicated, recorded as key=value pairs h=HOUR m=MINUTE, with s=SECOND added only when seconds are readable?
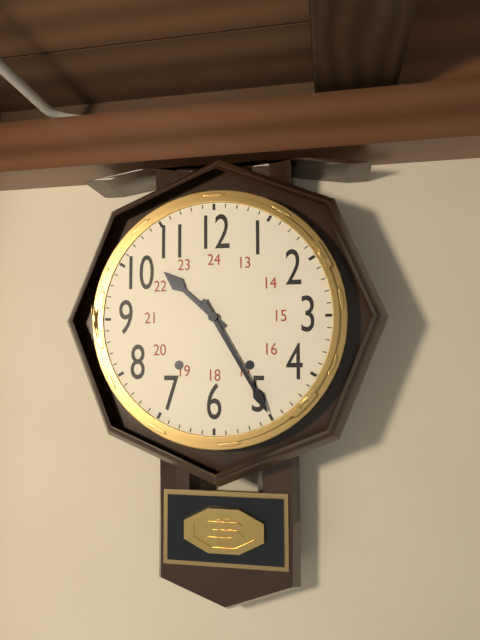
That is h=10 m=25
